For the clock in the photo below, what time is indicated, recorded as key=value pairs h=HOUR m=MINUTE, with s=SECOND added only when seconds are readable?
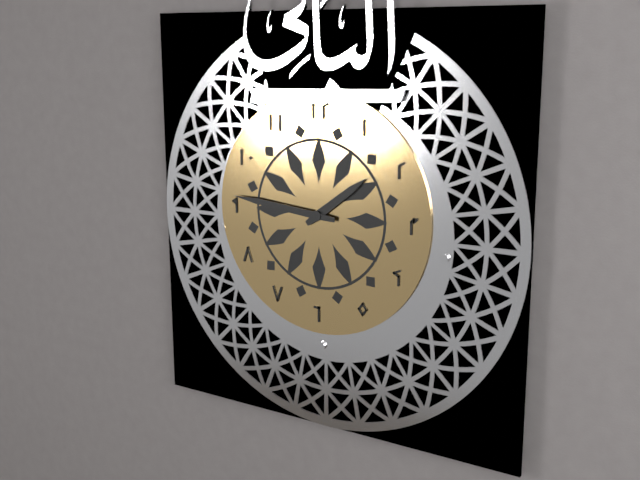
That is h=1 m=46
